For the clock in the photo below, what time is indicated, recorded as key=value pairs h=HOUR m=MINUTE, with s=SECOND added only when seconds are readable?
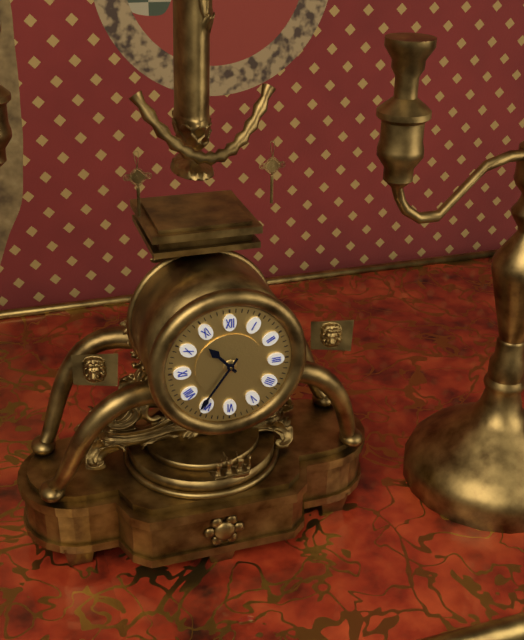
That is h=10 m=36
